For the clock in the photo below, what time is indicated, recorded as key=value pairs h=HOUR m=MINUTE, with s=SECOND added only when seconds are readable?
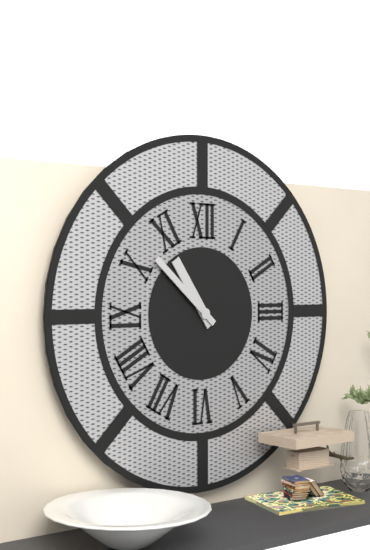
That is h=10 m=52
